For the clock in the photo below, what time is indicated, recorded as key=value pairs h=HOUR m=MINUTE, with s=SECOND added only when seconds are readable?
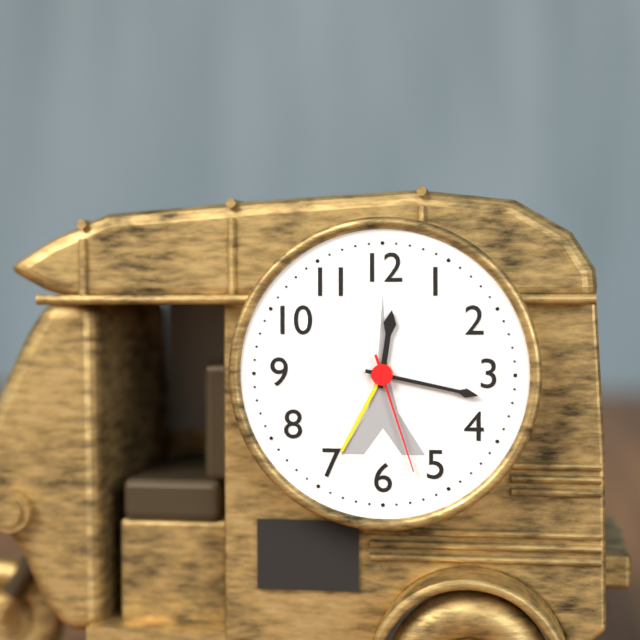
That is h=12 m=17 s=27
